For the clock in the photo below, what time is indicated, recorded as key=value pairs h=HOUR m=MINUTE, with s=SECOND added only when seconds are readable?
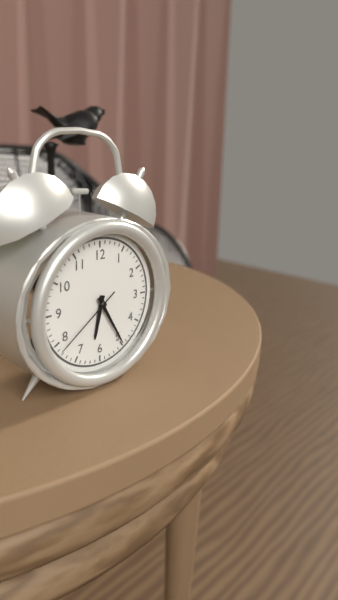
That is h=6 m=25 s=39
